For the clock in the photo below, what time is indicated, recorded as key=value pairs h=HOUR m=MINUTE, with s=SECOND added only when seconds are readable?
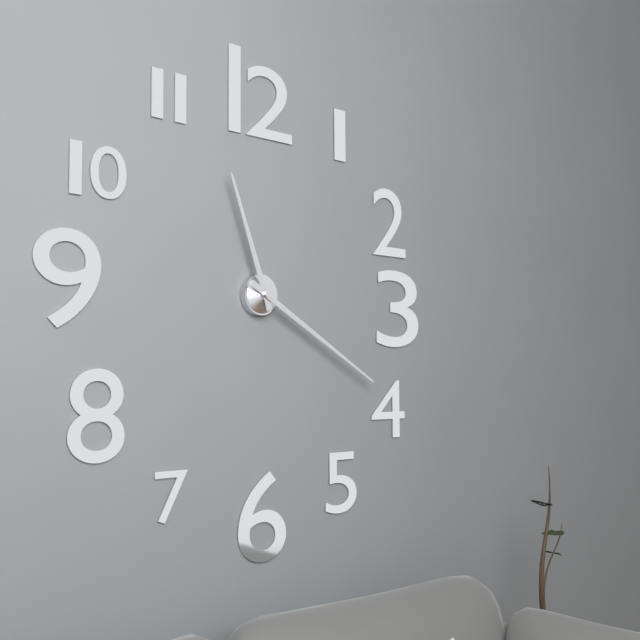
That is h=11 m=20
